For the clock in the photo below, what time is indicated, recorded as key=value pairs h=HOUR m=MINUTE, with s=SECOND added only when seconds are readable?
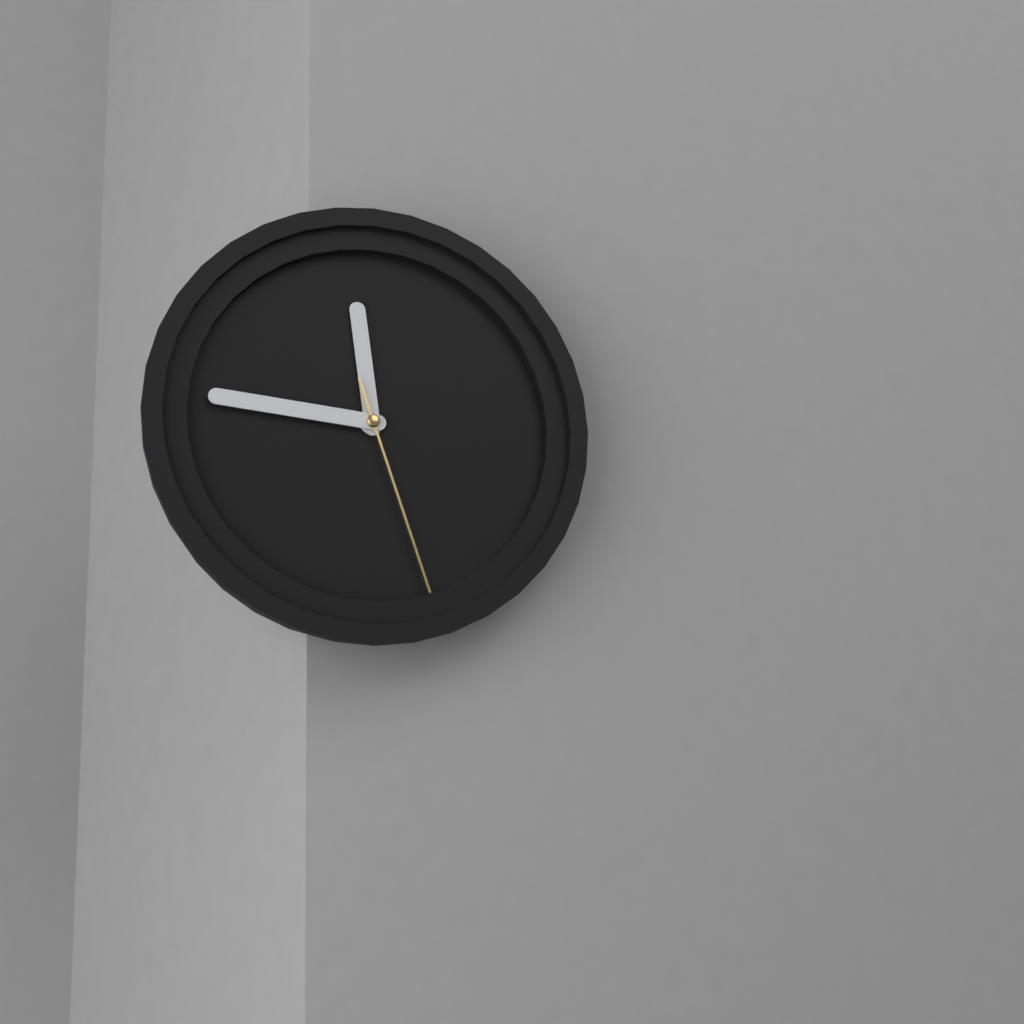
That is h=11 m=46 s=27
